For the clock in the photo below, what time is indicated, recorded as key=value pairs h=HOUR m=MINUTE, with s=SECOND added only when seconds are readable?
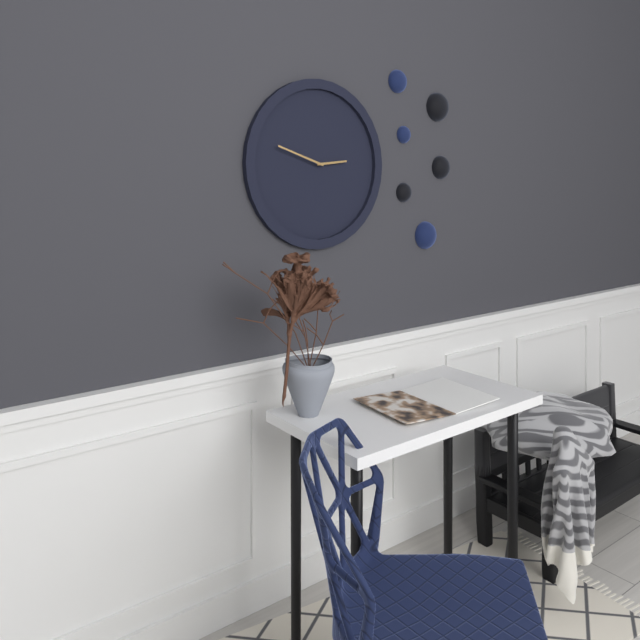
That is h=2 m=48
